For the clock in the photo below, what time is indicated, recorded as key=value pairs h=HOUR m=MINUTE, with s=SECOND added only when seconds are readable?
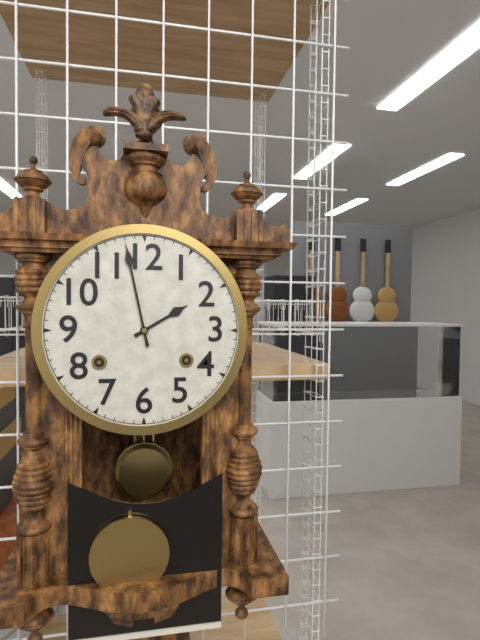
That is h=1 m=58
